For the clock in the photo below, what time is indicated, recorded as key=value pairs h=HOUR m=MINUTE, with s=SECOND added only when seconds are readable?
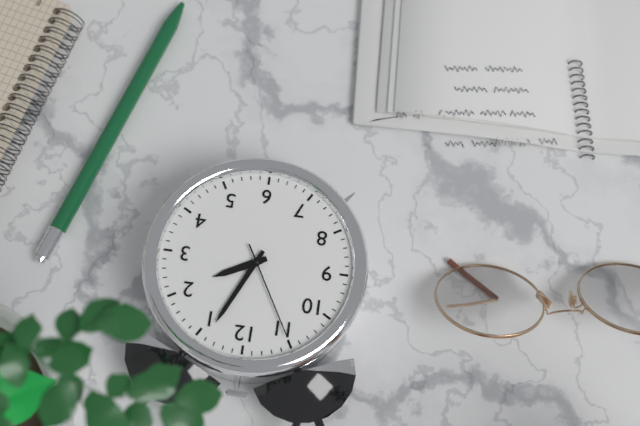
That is h=2 m=4 s=55
